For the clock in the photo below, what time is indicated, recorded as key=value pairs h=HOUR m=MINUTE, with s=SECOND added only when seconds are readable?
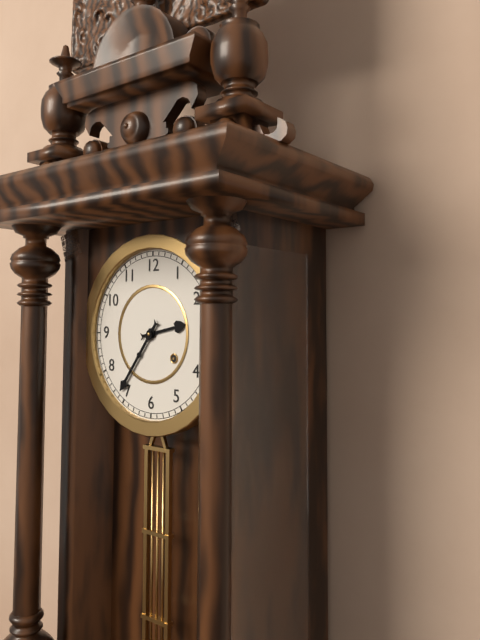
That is h=2 m=36
